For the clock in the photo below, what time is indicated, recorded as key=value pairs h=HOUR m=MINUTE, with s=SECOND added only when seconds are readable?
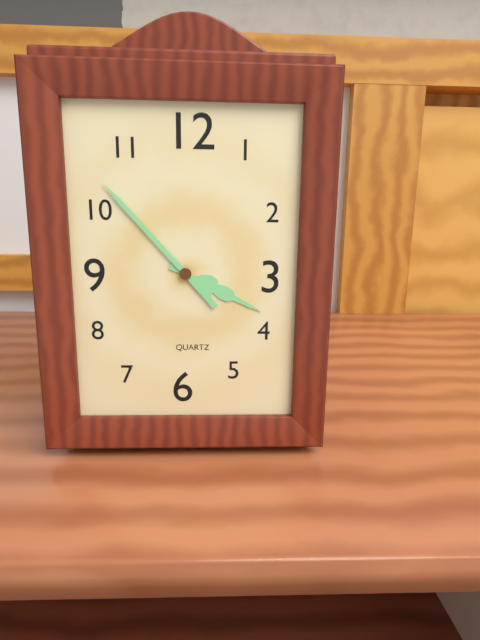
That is h=3 m=53
